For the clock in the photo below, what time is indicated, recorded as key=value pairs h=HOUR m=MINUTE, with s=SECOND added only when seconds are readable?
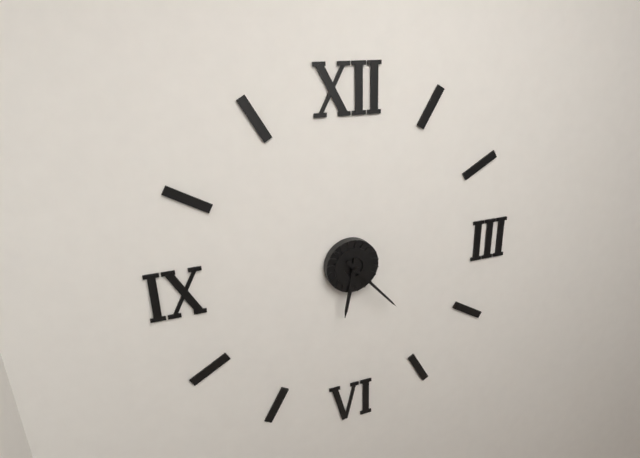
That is h=6 m=23
